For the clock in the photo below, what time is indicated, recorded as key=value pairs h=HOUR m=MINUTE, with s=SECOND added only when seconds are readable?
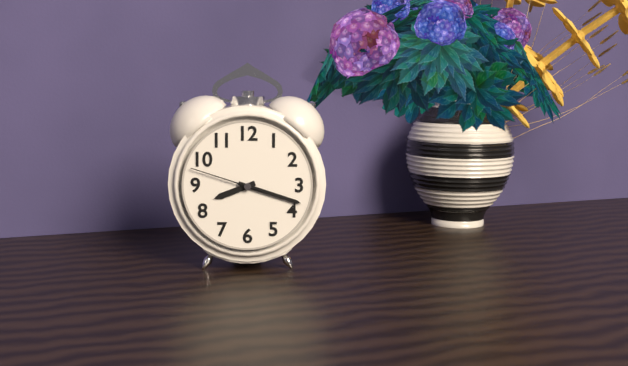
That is h=8 m=18 s=48
